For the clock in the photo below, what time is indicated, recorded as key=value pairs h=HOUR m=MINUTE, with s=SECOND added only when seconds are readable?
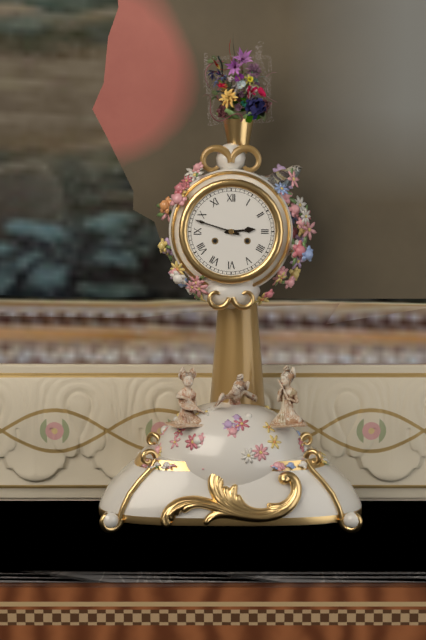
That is h=2 m=48
